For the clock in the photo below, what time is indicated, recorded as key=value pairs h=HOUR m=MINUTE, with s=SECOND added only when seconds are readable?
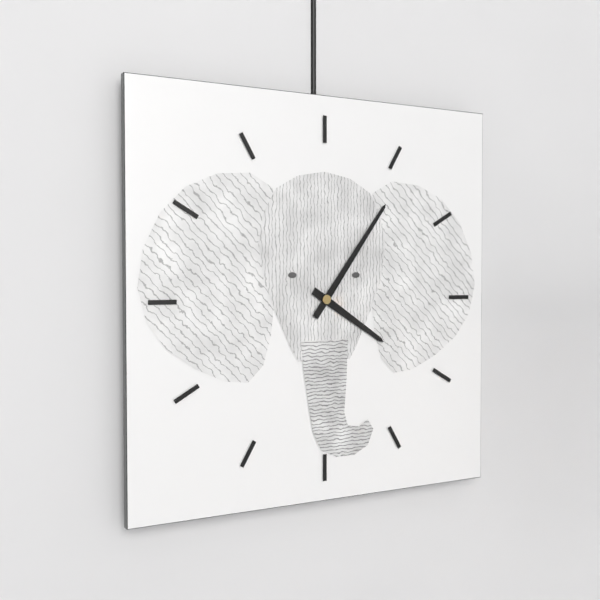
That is h=4 m=6
